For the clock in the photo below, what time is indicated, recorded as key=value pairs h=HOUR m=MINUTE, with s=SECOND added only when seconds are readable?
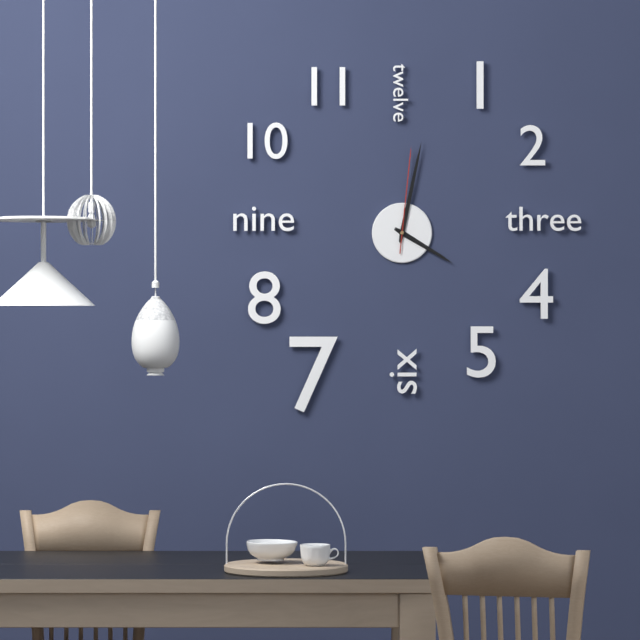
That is h=4 m=2 s=1
